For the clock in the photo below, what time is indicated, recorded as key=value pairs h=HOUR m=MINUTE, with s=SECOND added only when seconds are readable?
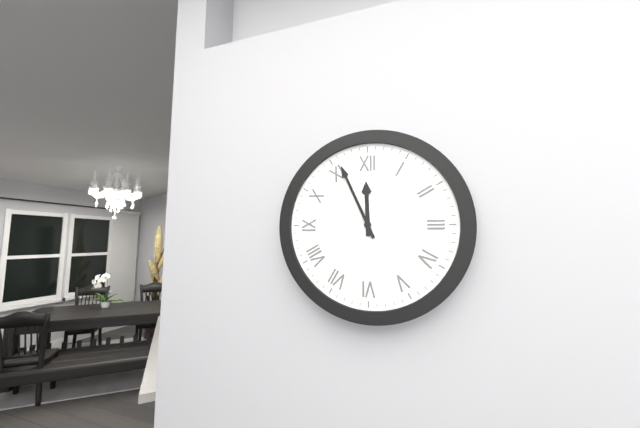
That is h=11 m=56
